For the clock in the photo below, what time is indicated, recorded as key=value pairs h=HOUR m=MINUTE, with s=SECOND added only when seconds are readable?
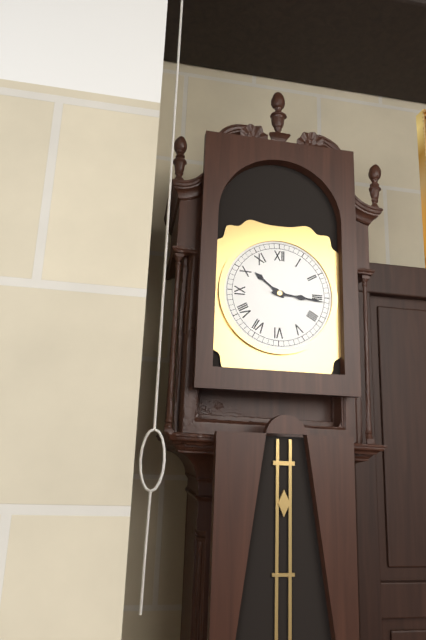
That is h=10 m=16
